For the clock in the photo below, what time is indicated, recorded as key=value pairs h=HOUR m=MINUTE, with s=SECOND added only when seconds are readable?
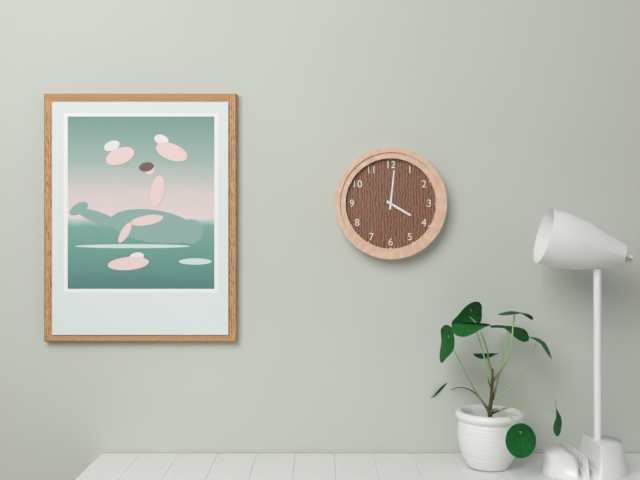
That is h=4 m=1
